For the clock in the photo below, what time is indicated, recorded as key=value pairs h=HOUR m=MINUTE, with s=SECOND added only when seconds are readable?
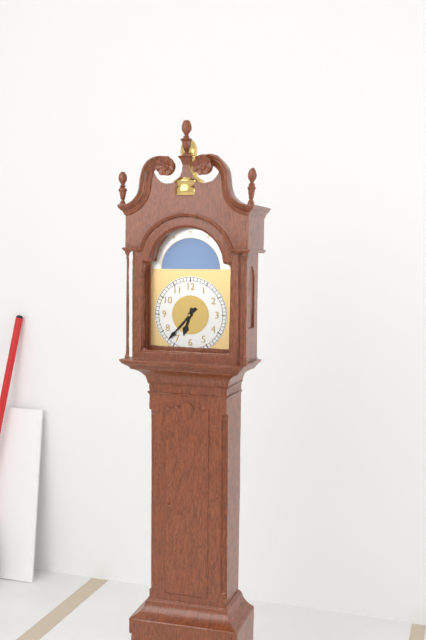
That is h=6 m=37
